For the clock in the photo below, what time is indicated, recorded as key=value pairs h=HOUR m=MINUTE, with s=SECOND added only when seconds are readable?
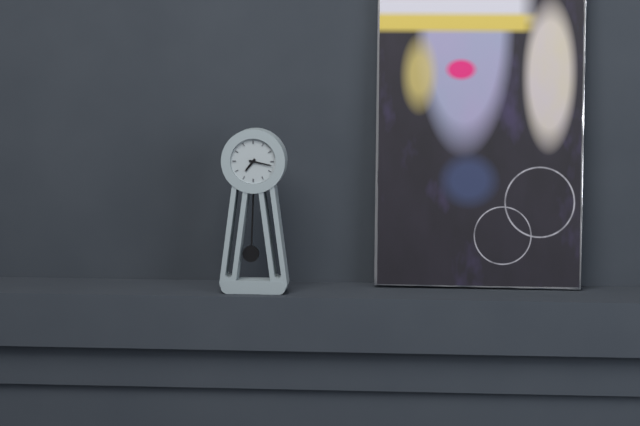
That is h=7 m=17
